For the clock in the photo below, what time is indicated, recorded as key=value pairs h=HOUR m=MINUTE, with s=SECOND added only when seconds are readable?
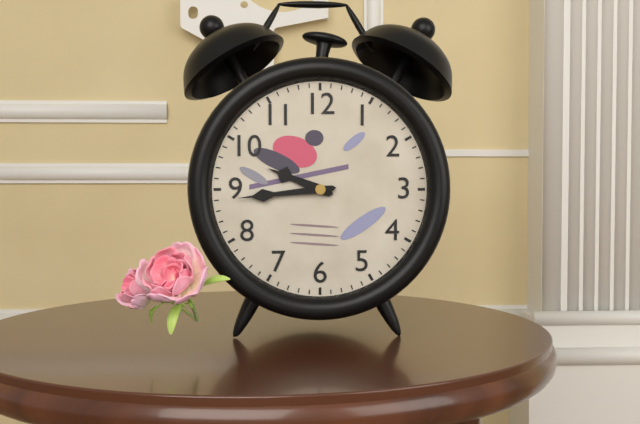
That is h=9 m=44
